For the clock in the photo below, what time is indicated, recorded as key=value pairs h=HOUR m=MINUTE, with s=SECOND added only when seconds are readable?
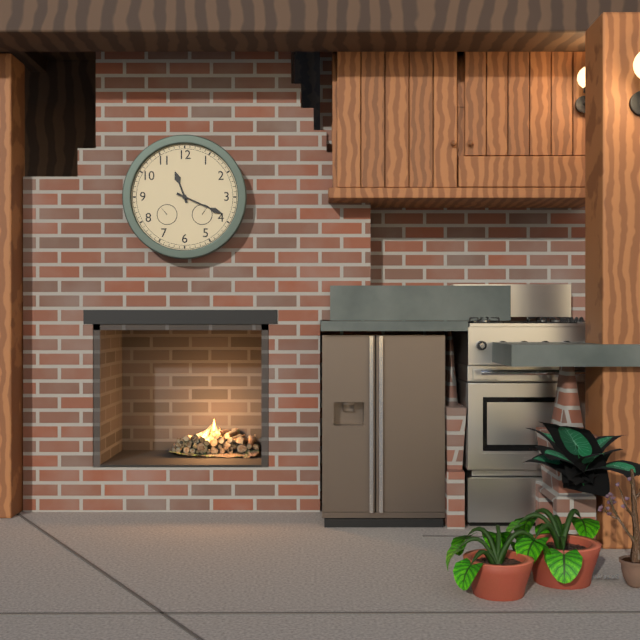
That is h=11 m=19
